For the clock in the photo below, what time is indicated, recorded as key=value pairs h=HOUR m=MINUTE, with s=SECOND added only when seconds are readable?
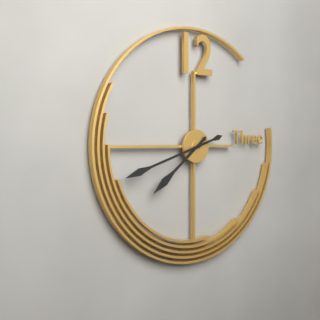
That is h=7 m=42
